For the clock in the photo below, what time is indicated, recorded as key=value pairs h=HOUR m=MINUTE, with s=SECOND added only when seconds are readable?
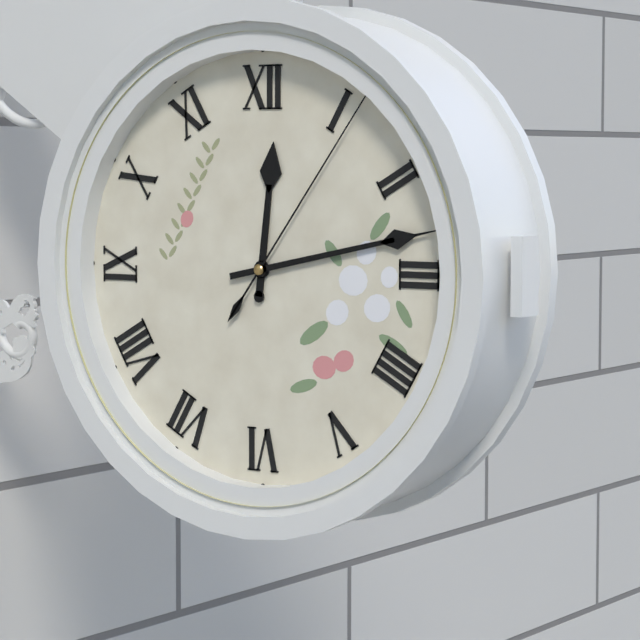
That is h=12 m=13 s=6
